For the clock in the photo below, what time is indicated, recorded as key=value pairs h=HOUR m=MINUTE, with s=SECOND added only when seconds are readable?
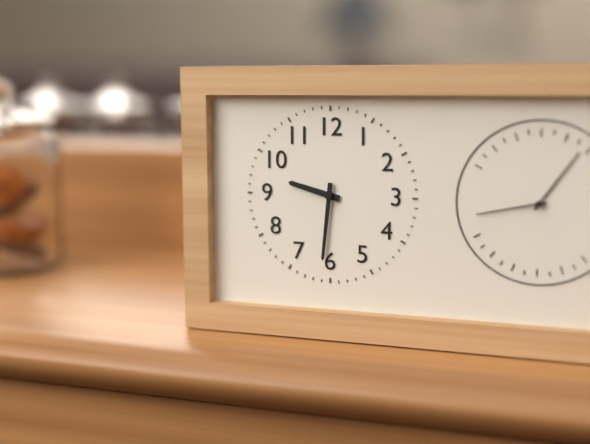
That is h=9 m=31
